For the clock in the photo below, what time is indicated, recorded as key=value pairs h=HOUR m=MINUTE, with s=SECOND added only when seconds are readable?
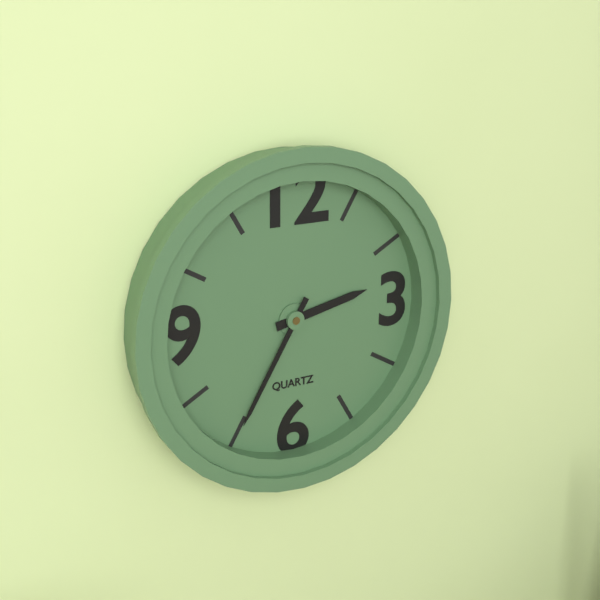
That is h=2 m=35
